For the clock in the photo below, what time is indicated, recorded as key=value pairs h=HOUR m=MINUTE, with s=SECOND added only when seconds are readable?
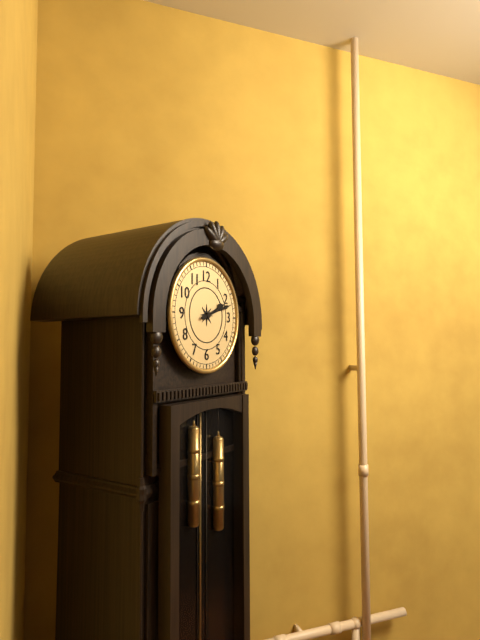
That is h=2 m=12
